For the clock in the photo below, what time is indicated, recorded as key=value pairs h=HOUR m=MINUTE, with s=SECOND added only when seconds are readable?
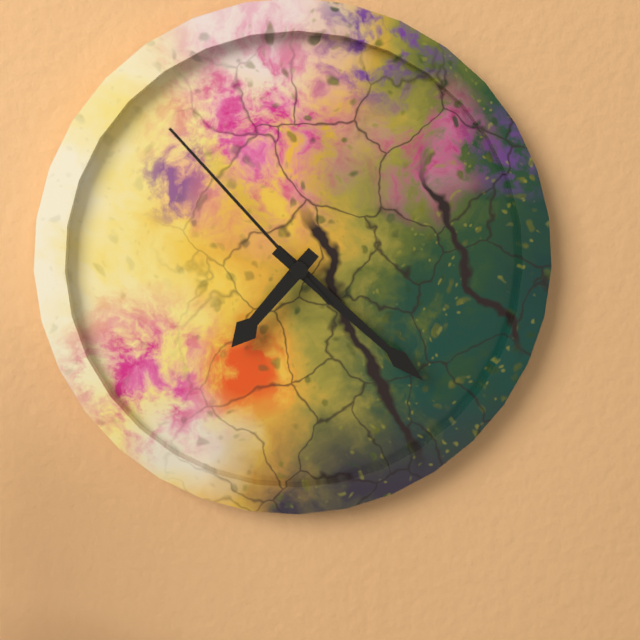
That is h=7 m=22 s=53
